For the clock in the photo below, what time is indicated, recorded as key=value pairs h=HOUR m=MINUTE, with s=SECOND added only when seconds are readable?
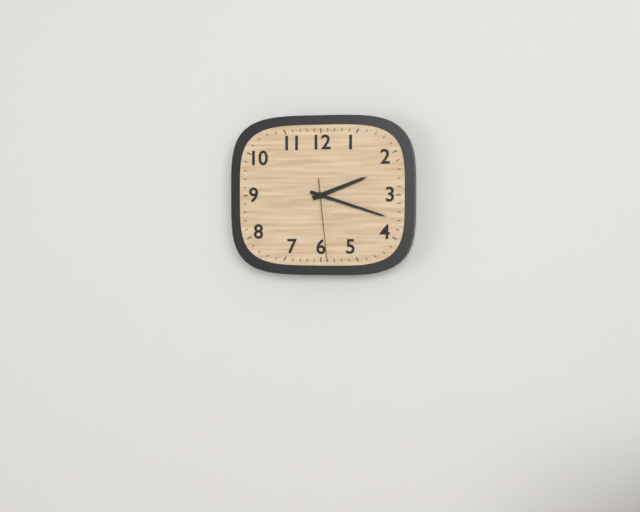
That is h=2 m=18 s=29
